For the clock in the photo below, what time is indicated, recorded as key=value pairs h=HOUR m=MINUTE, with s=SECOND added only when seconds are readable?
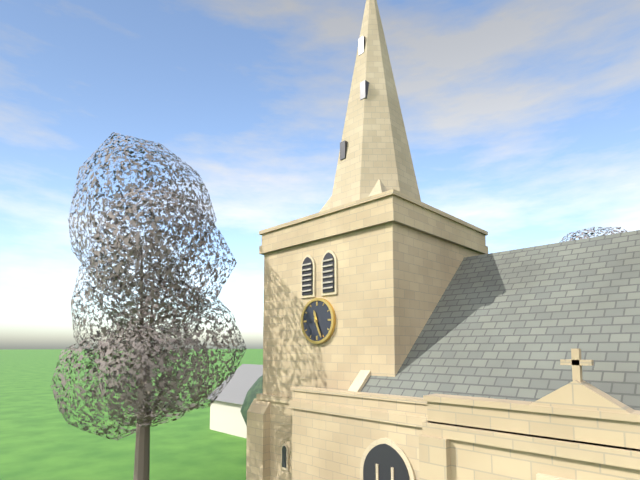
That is h=11 m=26
